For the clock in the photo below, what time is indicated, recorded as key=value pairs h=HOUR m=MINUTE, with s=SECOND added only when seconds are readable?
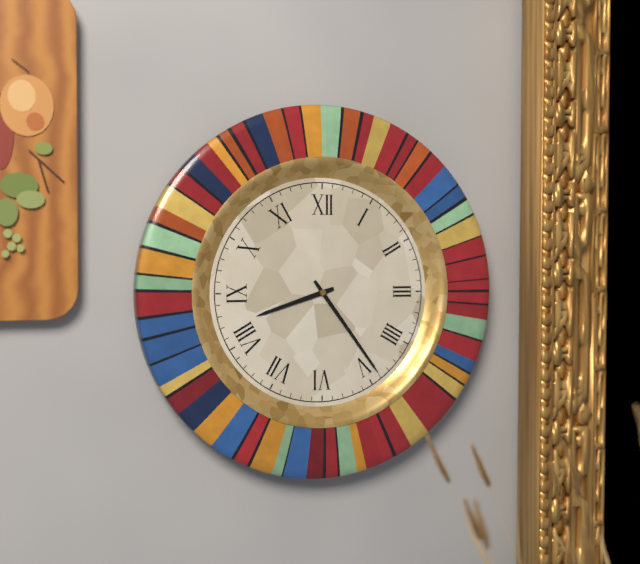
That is h=8 m=24
